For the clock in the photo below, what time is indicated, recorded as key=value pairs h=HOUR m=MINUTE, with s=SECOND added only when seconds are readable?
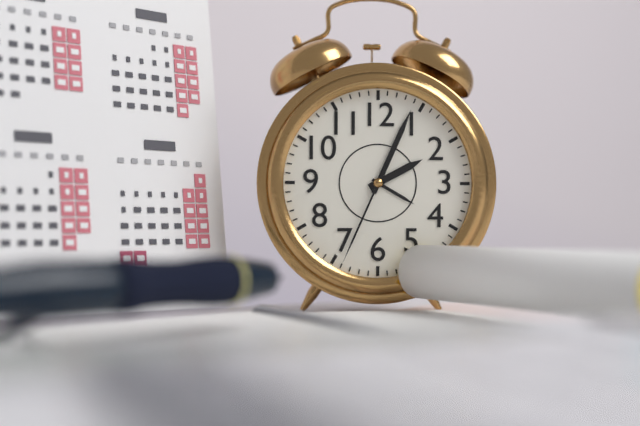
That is h=2 m=4 s=34
